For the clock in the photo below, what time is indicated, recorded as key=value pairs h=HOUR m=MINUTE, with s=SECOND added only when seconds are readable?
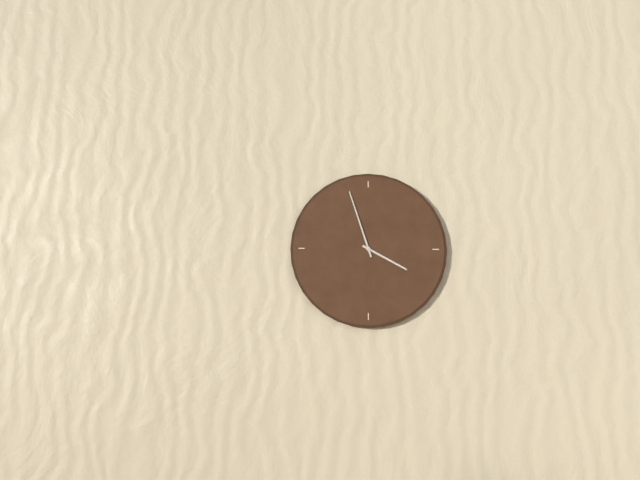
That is h=3 m=57
